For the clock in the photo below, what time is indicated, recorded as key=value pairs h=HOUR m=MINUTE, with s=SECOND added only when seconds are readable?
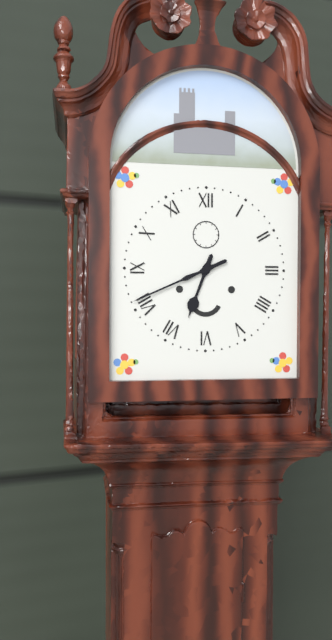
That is h=6 m=41
